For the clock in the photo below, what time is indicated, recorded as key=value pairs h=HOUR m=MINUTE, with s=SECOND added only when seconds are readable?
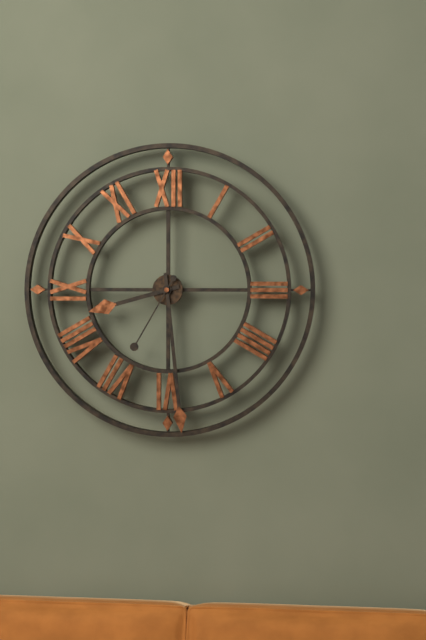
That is h=8 m=29 s=35
